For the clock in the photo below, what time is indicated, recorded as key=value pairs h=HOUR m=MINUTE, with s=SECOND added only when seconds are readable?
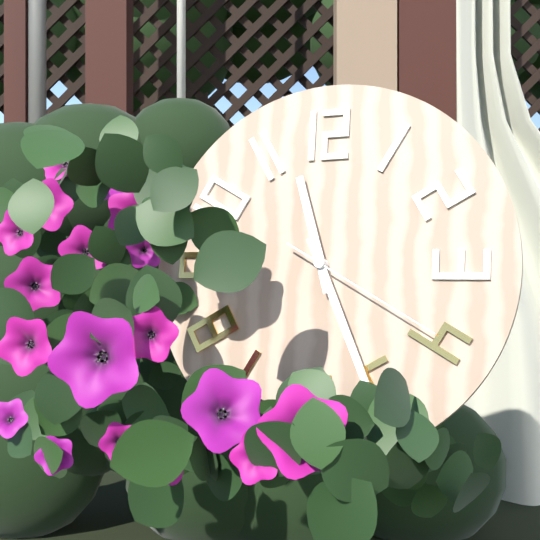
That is h=11 m=26 s=20
